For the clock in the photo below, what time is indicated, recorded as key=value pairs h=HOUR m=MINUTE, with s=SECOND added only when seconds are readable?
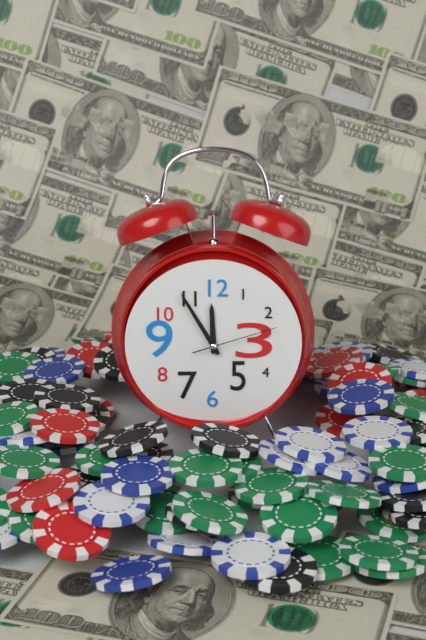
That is h=11 m=55 s=12
